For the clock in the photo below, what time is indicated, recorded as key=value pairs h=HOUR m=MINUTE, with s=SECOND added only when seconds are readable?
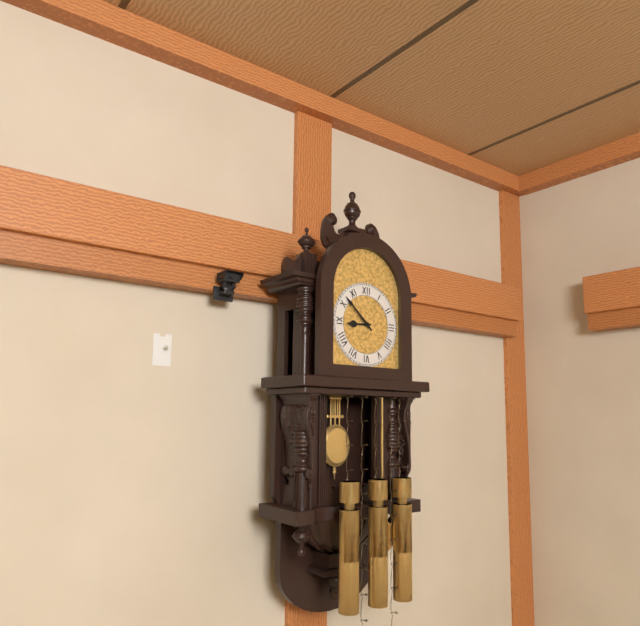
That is h=8 m=52
